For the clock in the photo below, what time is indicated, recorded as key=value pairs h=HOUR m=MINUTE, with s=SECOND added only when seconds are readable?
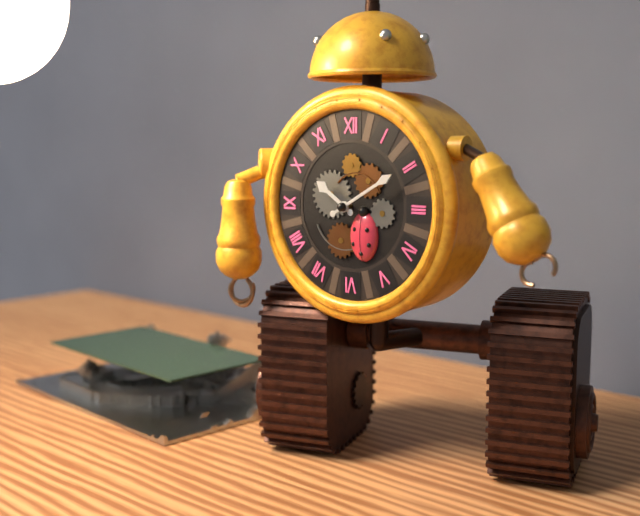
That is h=10 m=10
